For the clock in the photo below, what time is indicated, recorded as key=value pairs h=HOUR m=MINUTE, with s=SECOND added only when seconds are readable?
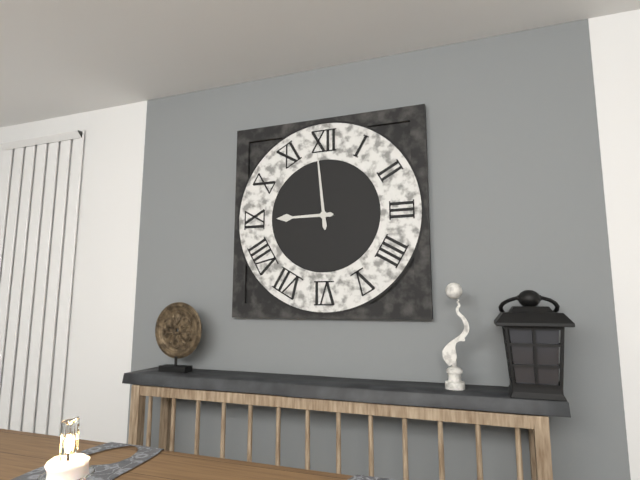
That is h=8 m=59
